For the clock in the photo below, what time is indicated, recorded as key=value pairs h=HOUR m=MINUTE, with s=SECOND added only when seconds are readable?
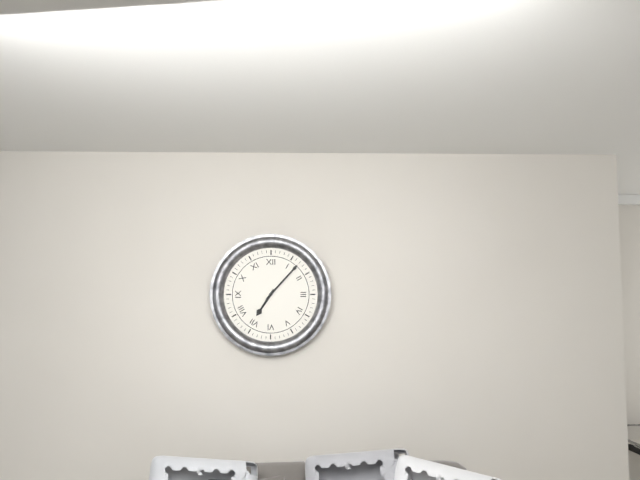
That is h=7 m=7
